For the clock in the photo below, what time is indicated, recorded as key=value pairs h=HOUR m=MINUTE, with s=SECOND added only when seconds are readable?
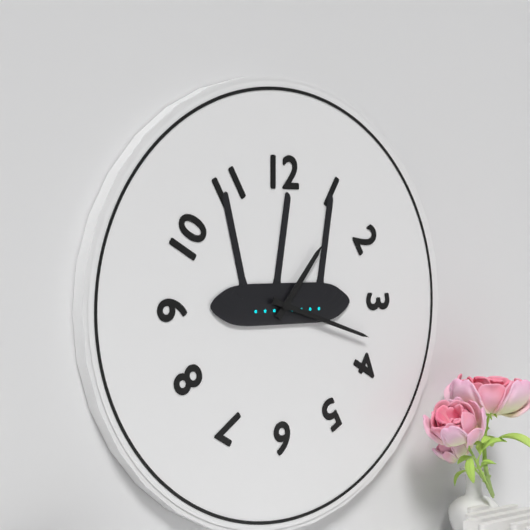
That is h=1 m=18
